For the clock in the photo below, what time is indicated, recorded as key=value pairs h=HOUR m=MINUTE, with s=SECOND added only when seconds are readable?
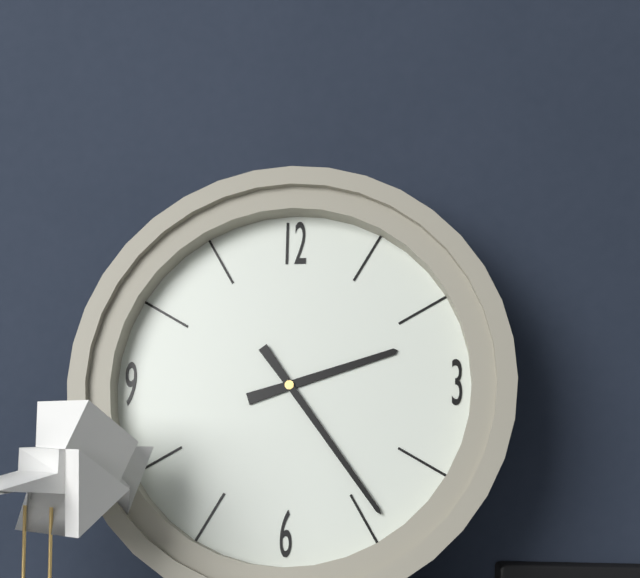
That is h=2 m=24
